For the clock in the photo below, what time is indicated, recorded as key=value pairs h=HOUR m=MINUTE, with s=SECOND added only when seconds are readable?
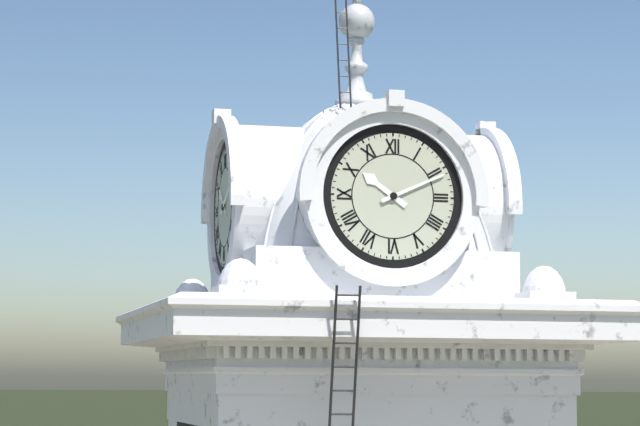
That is h=10 m=11
